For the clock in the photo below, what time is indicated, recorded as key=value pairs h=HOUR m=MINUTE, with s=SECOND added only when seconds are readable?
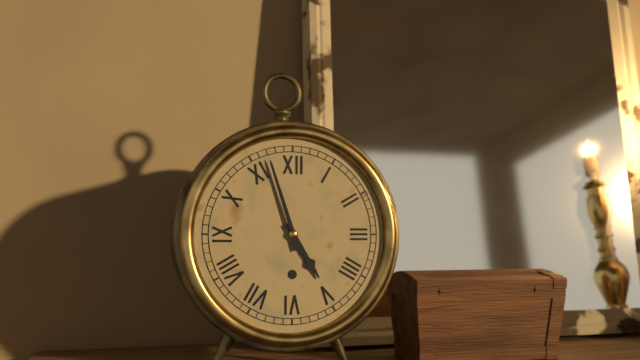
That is h=4 m=57
